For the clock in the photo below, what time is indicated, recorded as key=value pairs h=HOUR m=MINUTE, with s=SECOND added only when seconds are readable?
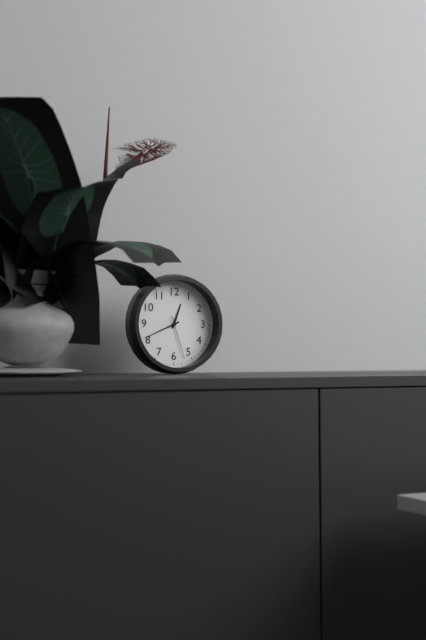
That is h=12 m=41
